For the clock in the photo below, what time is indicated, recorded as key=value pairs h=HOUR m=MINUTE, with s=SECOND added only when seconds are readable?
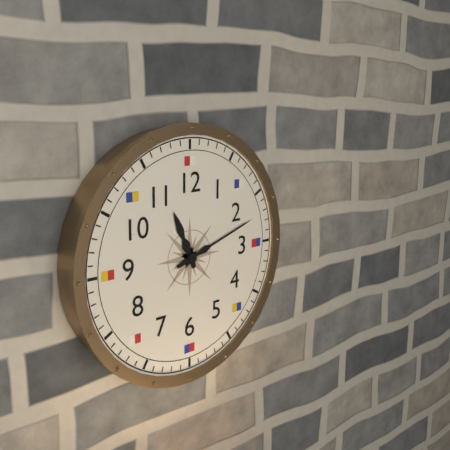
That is h=11 m=12
